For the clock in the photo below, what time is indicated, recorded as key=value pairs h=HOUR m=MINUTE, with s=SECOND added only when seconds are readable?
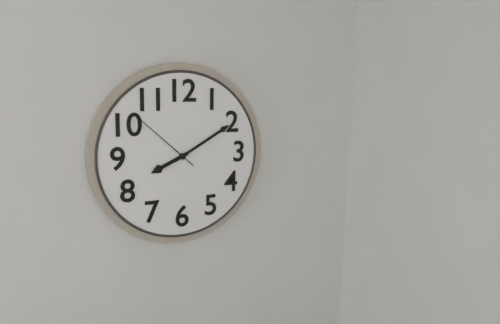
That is h=8 m=10 s=52
